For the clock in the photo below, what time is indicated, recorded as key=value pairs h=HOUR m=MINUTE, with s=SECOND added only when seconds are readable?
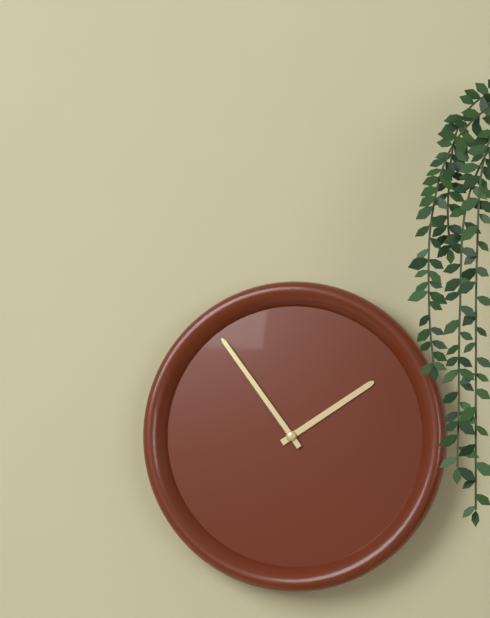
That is h=1 m=54
